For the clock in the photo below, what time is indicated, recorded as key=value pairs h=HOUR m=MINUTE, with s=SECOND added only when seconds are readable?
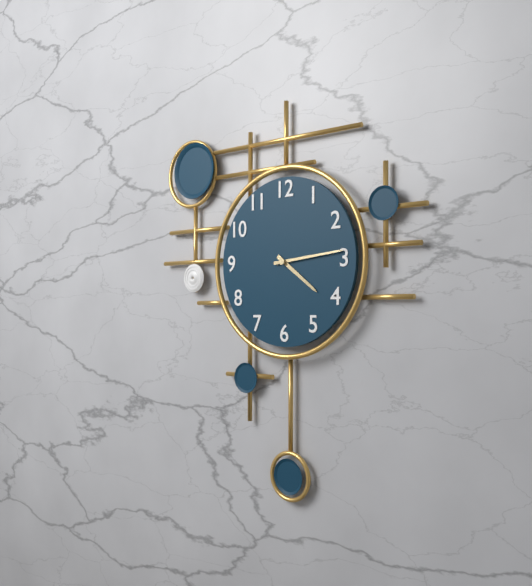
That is h=4 m=14
